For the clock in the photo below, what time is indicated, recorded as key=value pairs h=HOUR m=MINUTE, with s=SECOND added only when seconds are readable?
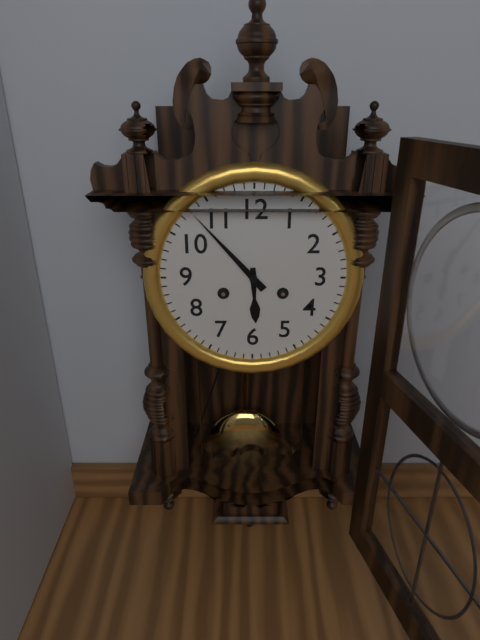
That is h=5 m=53
